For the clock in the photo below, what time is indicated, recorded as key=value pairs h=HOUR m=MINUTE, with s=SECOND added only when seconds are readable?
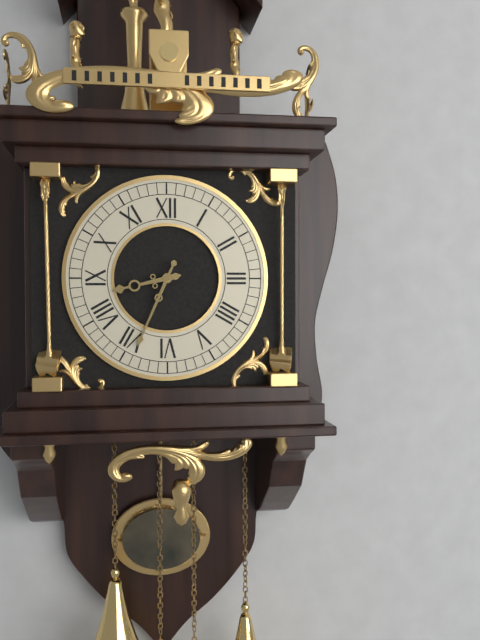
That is h=8 m=34
